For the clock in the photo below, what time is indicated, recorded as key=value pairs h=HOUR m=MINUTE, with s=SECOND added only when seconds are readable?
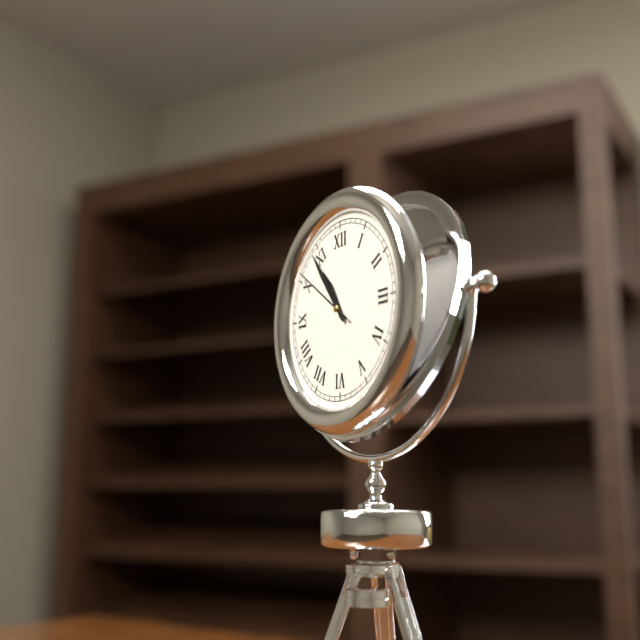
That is h=10 m=54 s=51
